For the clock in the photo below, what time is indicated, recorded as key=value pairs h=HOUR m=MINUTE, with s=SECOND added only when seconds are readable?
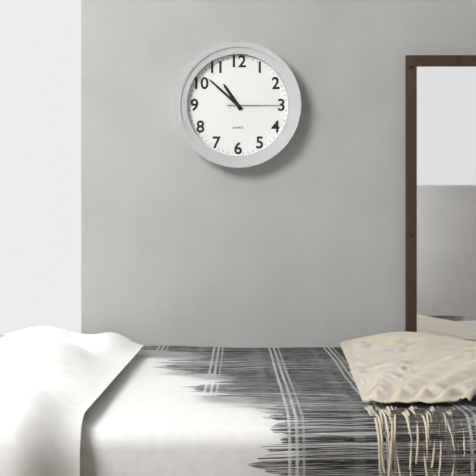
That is h=10 m=52 s=15
